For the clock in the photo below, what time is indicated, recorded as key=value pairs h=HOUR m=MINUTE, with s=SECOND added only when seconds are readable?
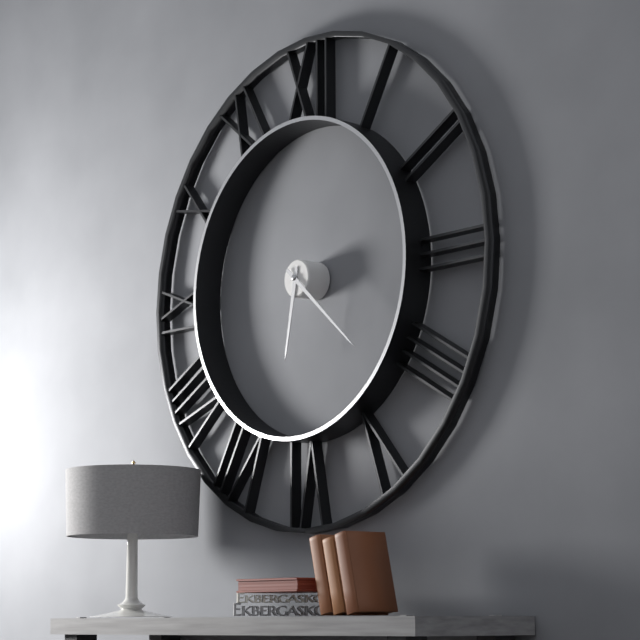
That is h=6 m=22
